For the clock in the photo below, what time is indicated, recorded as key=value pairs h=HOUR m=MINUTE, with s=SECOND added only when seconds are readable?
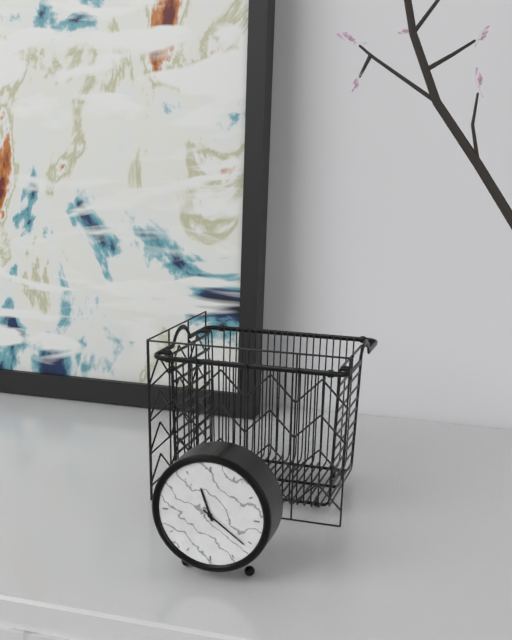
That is h=11 m=21
